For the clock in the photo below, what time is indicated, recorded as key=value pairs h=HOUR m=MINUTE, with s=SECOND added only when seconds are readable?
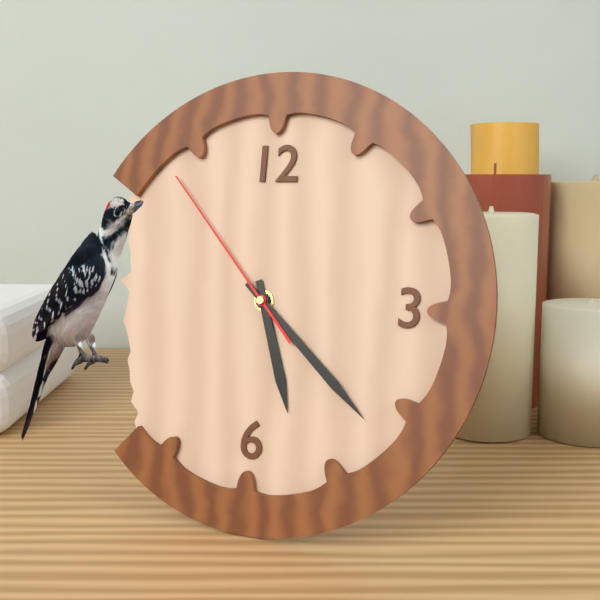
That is h=5 m=22 s=53
